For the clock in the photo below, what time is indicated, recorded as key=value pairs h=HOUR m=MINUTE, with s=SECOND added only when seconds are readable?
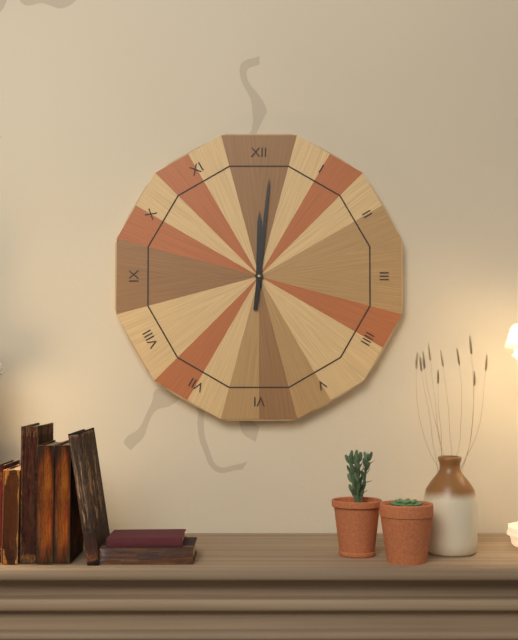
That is h=12 m=1
